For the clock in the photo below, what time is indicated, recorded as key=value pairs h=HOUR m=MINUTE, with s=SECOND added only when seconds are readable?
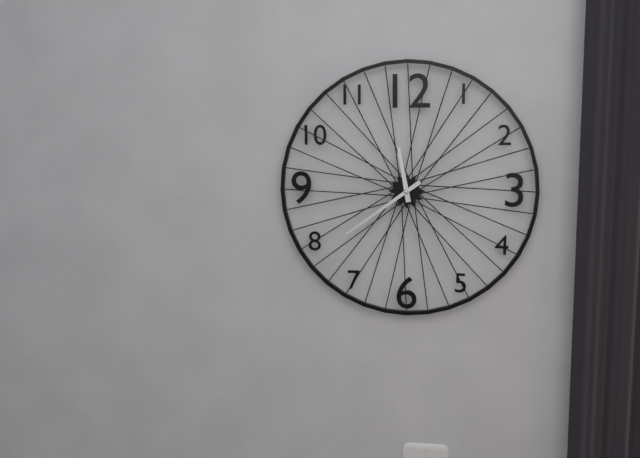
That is h=11 m=39
